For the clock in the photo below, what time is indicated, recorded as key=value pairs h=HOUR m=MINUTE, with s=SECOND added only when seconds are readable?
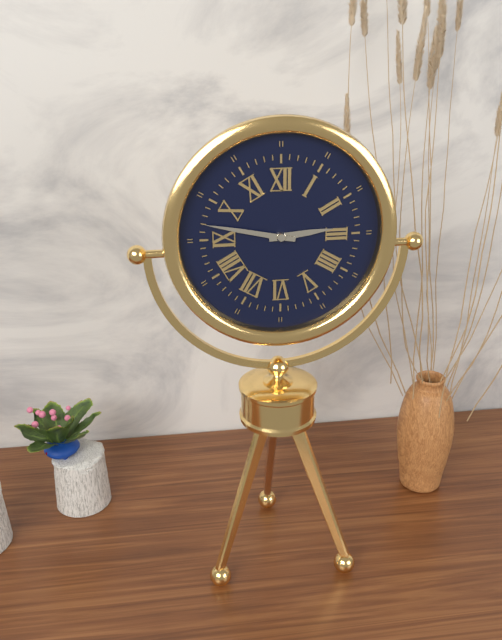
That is h=2 m=47
